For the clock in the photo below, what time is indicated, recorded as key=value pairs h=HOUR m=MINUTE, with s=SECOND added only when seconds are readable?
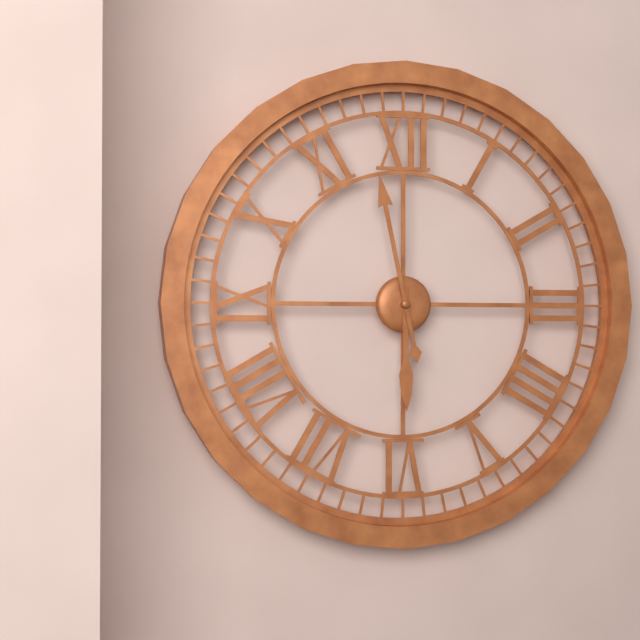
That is h=5 m=58
